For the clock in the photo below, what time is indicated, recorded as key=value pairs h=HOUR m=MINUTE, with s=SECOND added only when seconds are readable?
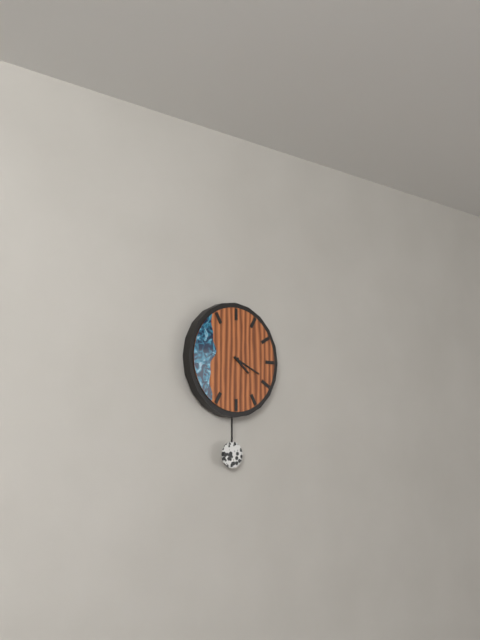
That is h=4 m=19
